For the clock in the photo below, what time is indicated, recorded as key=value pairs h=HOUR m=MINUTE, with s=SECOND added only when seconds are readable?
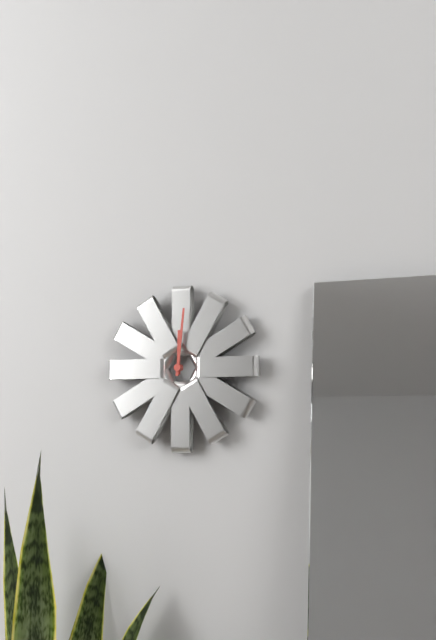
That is h=12 m=1
